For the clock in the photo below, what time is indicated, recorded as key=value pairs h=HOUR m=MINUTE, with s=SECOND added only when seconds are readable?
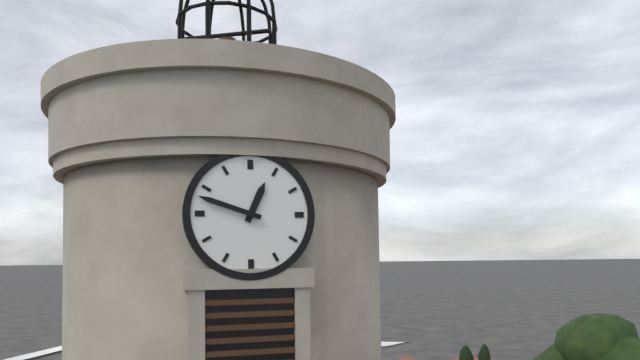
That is h=12 m=48
